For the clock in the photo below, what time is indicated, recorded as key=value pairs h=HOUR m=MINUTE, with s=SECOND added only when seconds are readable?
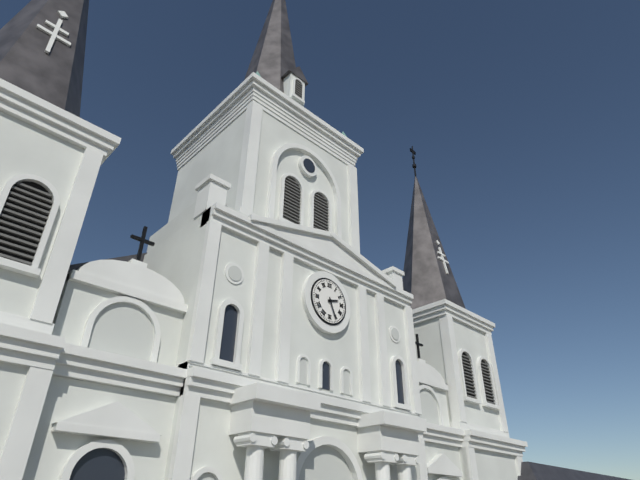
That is h=2 m=26
